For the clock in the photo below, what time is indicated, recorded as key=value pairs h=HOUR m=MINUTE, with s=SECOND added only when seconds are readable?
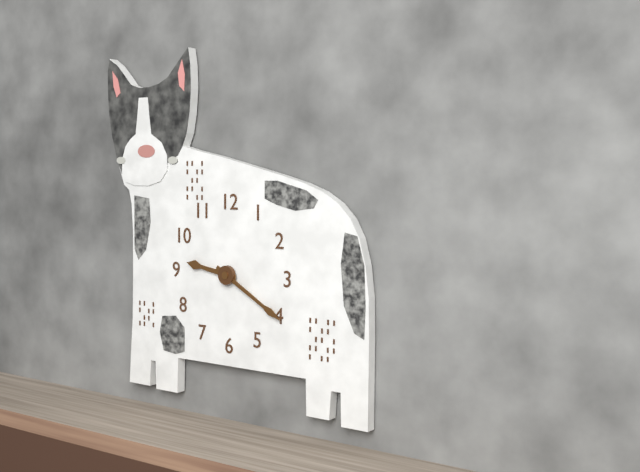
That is h=9 m=20
